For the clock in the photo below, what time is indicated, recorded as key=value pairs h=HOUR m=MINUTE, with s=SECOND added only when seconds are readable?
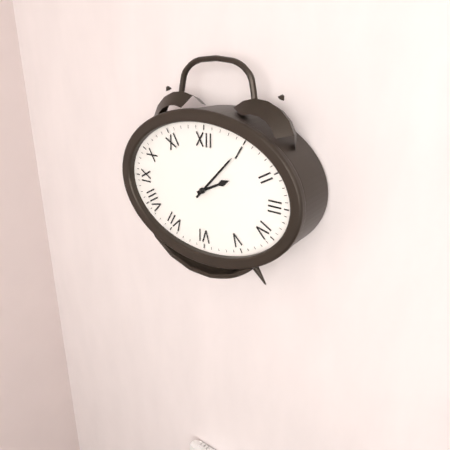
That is h=2 m=7
